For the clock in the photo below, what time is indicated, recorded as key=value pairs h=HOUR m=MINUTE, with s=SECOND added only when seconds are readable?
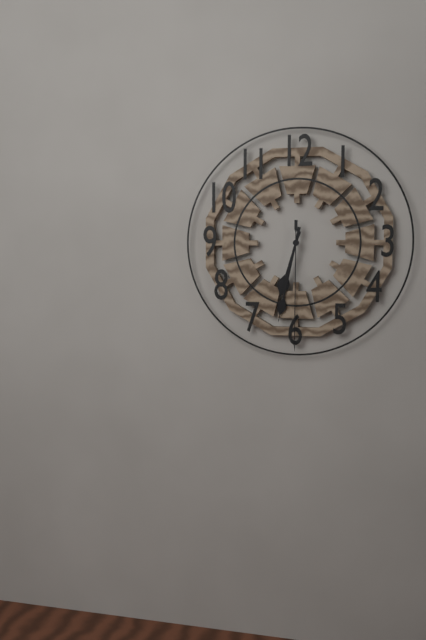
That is h=6 m=32 s=30
